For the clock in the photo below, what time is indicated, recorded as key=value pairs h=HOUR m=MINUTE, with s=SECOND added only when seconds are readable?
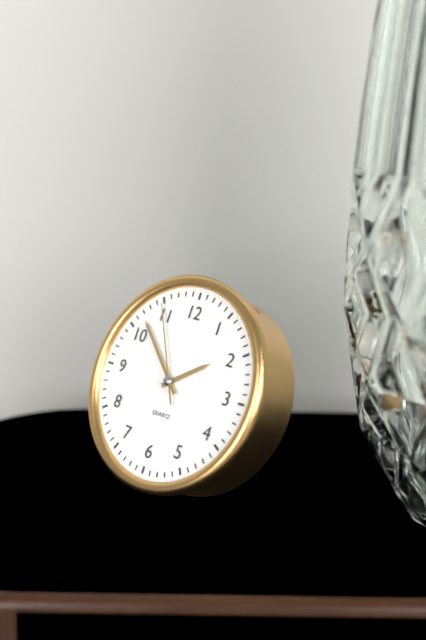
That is h=1 m=52 s=55
